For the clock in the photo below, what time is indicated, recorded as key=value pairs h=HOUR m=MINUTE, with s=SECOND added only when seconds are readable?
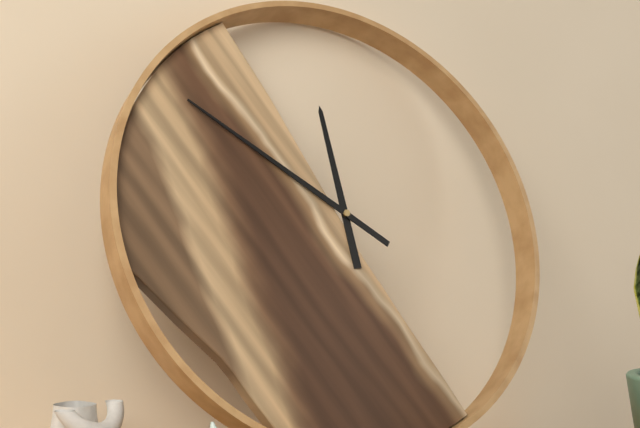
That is h=11 m=51
